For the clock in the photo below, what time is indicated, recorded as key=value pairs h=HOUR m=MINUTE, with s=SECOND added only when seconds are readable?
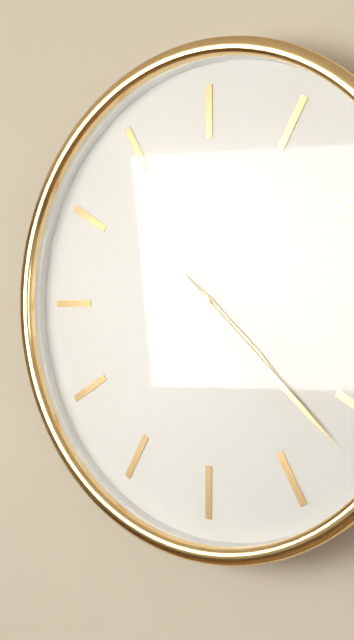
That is h=4 m=22
